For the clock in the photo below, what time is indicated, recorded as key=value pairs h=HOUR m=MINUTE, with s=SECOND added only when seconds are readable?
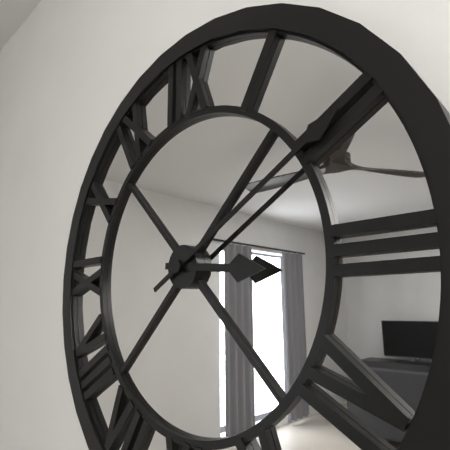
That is h=3 m=10
